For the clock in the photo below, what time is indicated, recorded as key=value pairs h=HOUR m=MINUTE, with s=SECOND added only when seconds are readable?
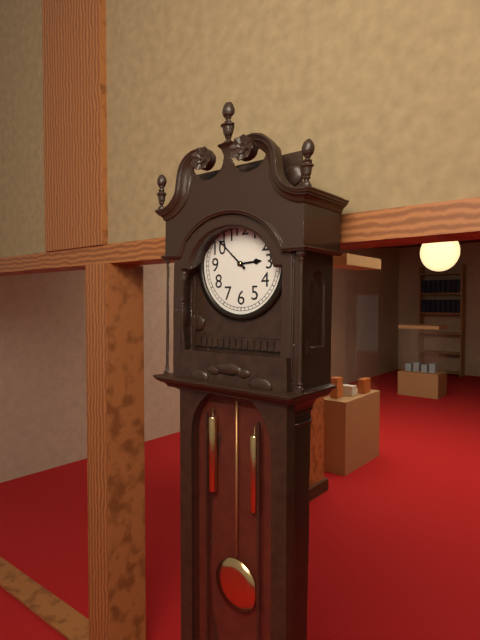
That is h=2 m=52
